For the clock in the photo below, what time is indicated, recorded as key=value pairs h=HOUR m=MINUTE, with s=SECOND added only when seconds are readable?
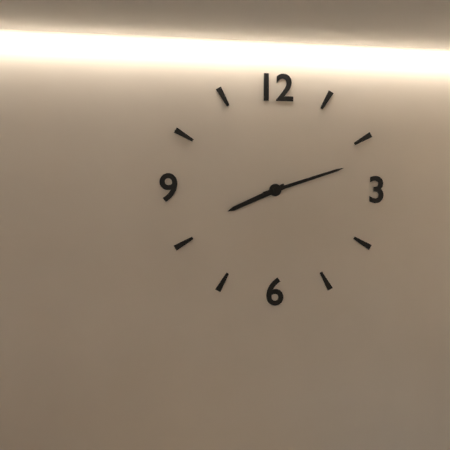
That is h=8 m=12
